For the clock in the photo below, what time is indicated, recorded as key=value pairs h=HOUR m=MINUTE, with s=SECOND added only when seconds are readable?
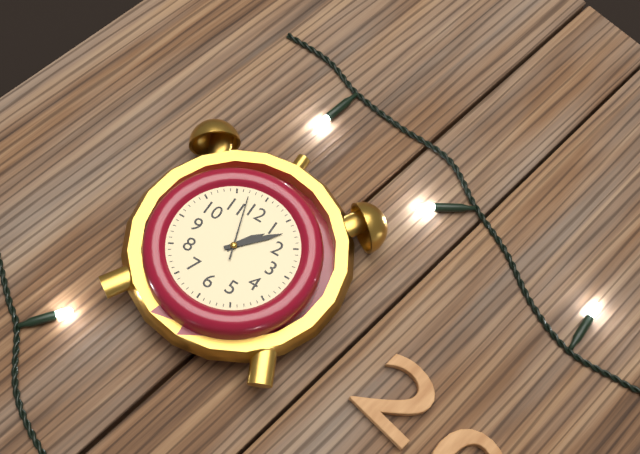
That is h=1 m=7 s=57
